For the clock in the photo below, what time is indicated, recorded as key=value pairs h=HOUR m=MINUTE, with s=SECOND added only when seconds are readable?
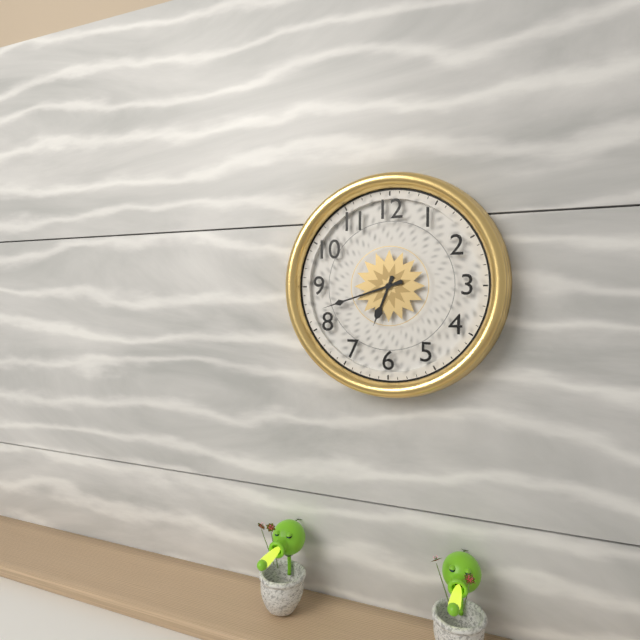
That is h=6 m=42
